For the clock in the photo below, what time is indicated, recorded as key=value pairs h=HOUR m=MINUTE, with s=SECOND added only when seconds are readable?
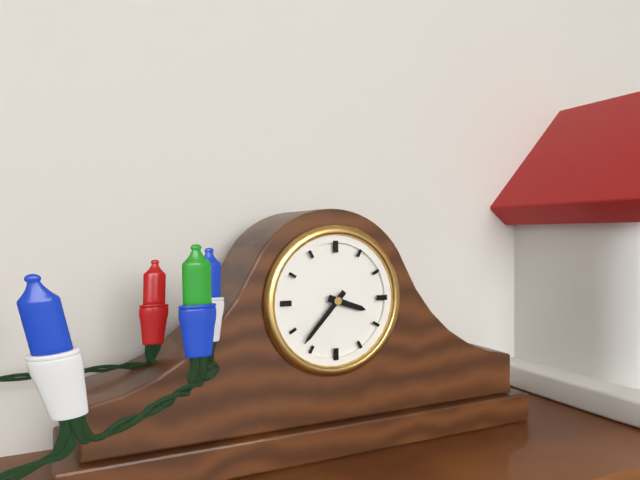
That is h=3 m=37
